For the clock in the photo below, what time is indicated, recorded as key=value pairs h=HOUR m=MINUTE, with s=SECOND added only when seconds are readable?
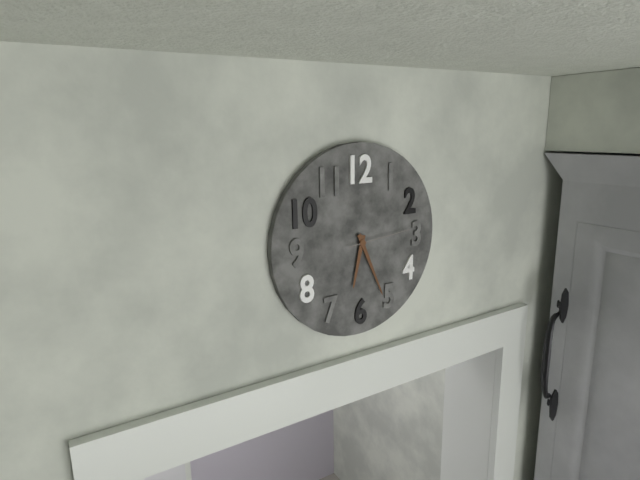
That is h=6 m=26 s=14
